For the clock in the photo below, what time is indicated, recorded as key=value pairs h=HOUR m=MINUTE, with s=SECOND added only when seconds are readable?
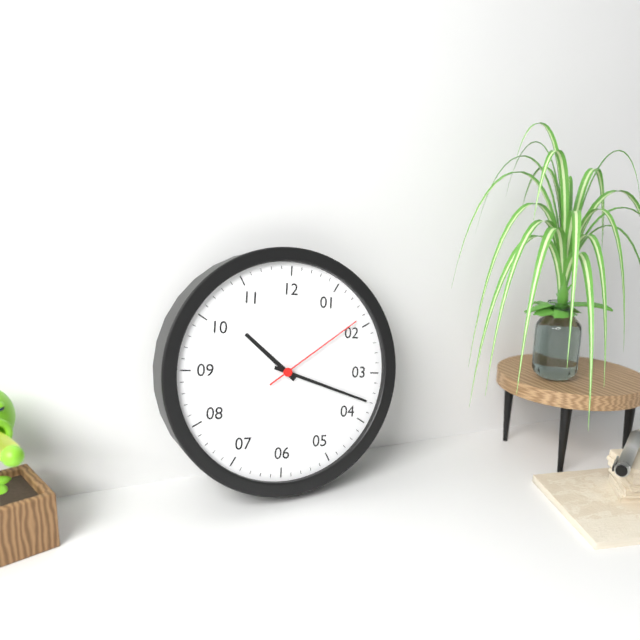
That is h=10 m=18 s=9
